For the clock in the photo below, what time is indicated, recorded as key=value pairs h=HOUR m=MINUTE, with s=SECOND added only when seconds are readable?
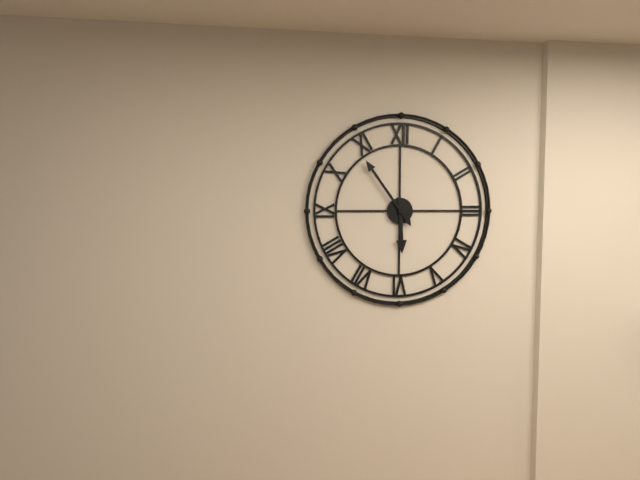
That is h=5 m=54
